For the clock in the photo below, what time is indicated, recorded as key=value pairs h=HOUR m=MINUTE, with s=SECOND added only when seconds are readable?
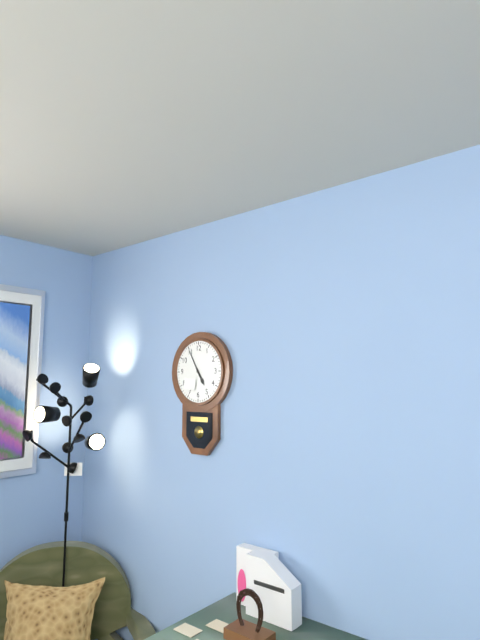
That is h=4 m=55
